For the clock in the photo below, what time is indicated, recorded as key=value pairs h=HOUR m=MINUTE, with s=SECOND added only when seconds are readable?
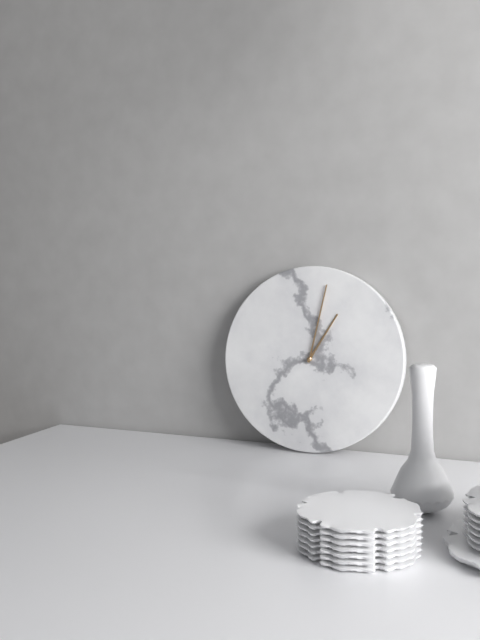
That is h=1 m=2
